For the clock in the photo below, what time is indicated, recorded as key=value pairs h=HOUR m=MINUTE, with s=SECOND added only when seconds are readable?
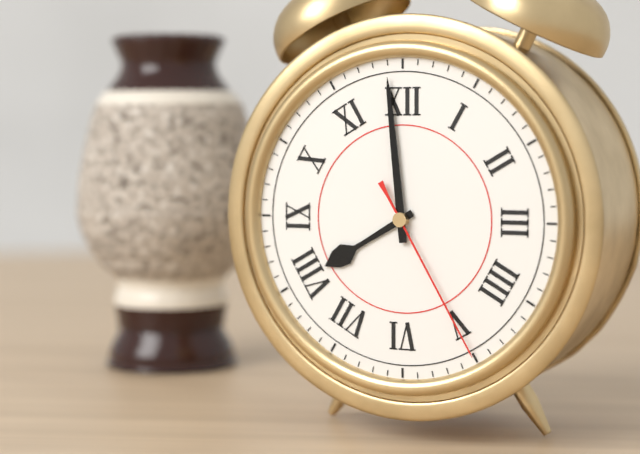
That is h=7 m=59 s=25
